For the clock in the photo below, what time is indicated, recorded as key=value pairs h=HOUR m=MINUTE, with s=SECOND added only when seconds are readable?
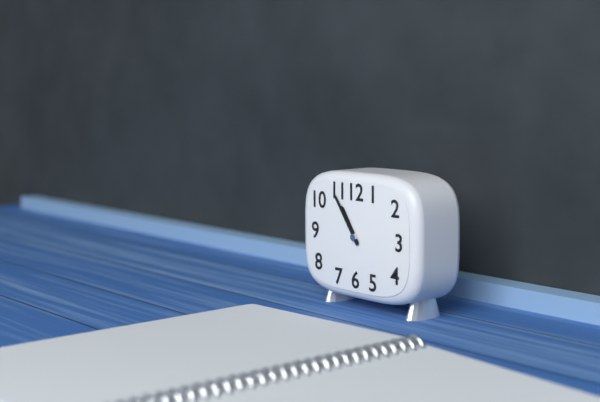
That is h=10 m=54
